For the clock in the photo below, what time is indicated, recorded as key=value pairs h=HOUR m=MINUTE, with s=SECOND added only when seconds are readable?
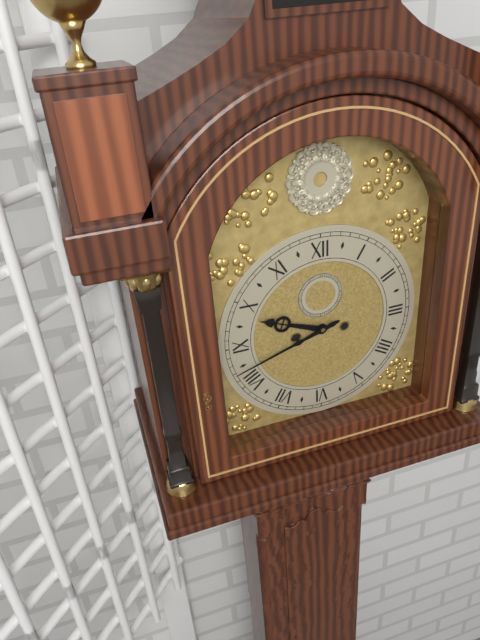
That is h=9 m=42
